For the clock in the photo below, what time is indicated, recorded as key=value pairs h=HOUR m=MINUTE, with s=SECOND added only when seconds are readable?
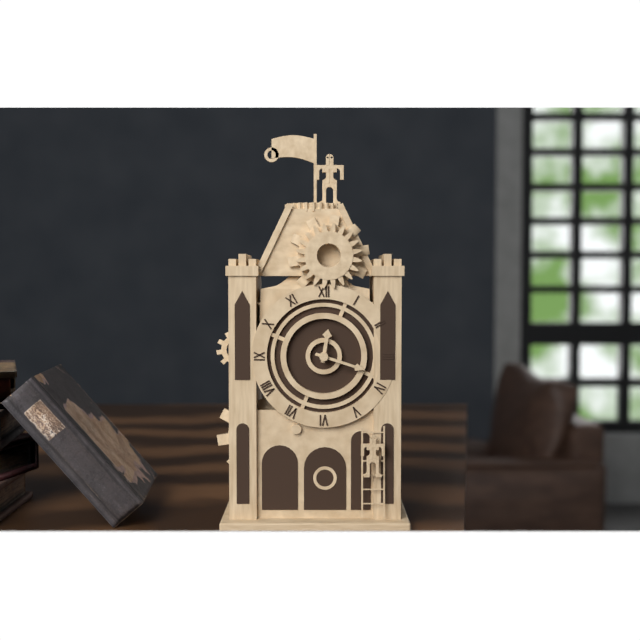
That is h=12 m=18
